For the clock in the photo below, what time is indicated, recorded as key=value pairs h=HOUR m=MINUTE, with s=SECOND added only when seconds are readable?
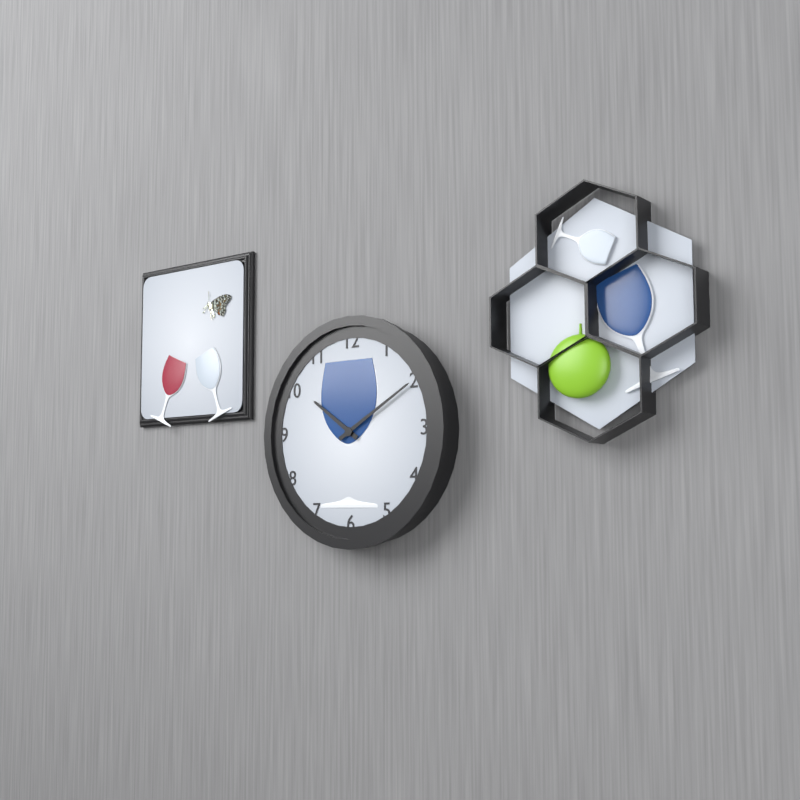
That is h=10 m=10
